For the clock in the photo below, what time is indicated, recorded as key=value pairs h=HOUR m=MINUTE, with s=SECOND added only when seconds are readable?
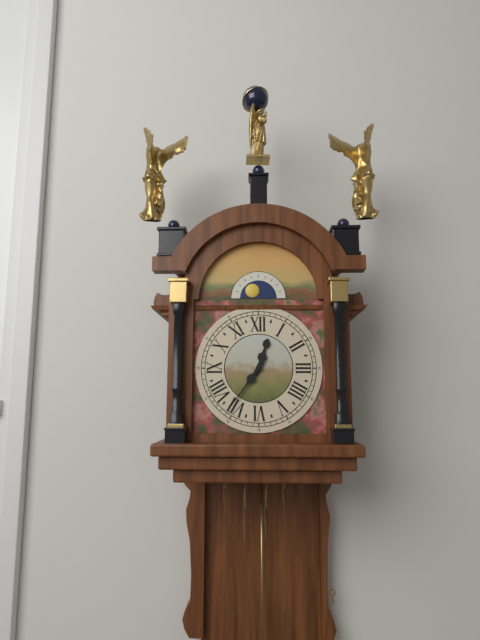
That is h=12 m=36
